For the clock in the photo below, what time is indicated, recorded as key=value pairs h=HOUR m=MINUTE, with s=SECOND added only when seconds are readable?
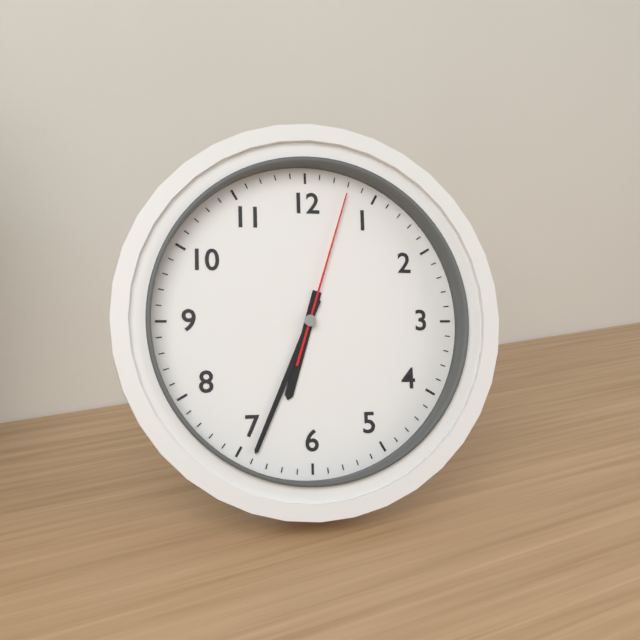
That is h=6 m=34 s=3
